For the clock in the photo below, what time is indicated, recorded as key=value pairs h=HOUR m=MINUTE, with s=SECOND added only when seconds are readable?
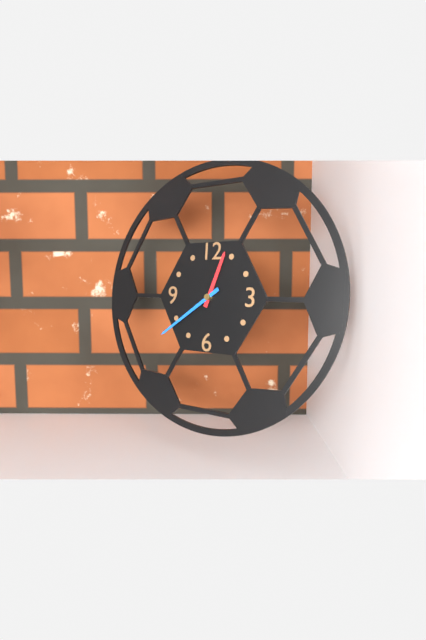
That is h=12 m=39
